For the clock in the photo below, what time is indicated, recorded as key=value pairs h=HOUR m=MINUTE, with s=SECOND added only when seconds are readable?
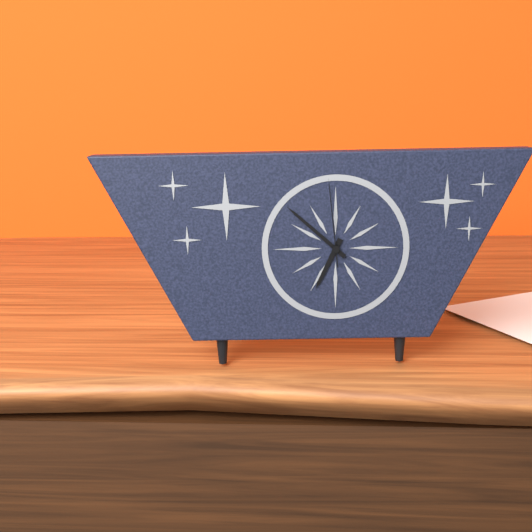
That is h=6 m=52 s=59
